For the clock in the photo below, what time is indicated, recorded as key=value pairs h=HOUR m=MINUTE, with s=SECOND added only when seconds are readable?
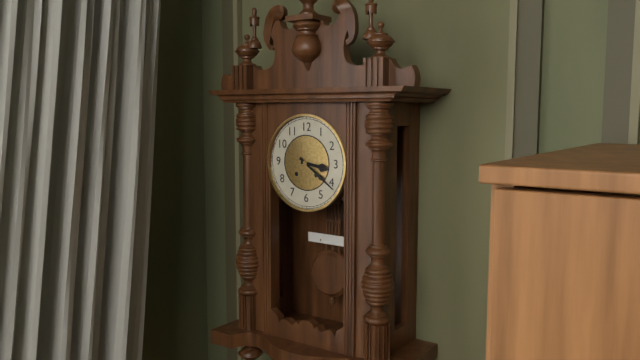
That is h=3 m=21
